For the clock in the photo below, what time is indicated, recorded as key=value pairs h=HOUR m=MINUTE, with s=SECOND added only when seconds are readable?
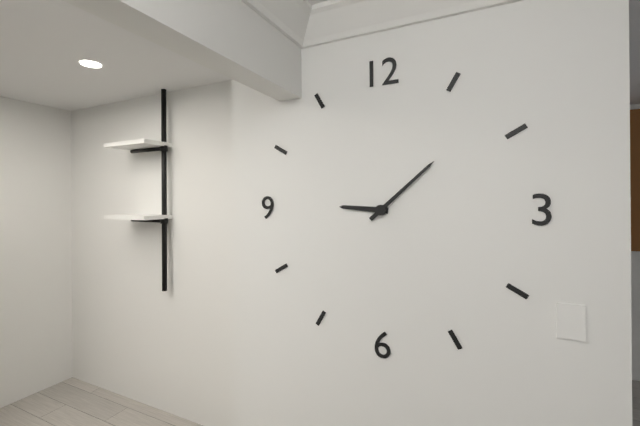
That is h=9 m=8
